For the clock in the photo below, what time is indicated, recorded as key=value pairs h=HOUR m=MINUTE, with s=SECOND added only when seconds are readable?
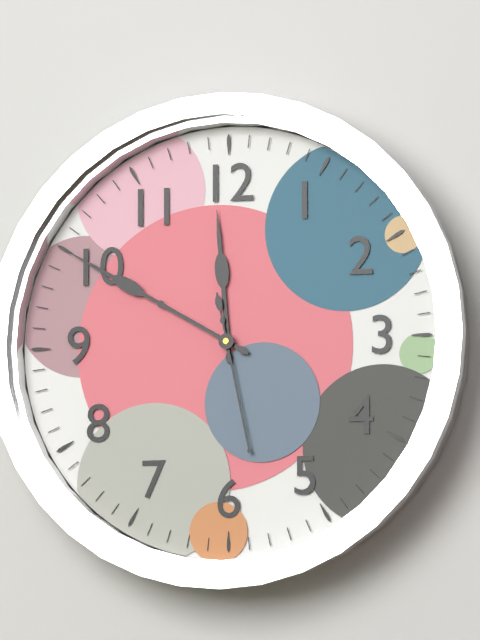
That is h=11 m=50 s=28
